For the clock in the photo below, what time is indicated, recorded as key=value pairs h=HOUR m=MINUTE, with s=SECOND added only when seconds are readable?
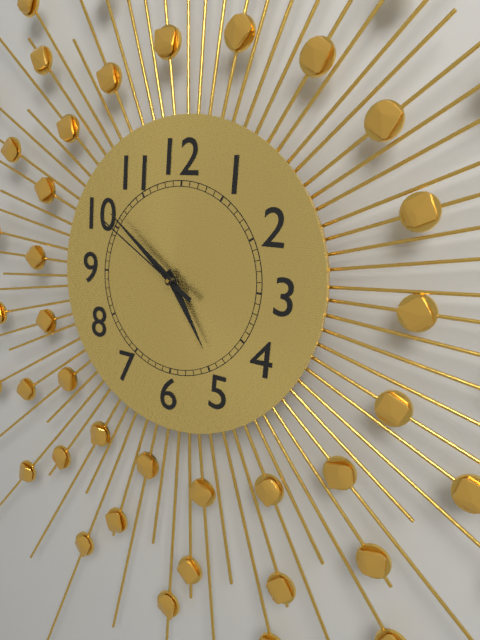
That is h=4 m=51 s=50
